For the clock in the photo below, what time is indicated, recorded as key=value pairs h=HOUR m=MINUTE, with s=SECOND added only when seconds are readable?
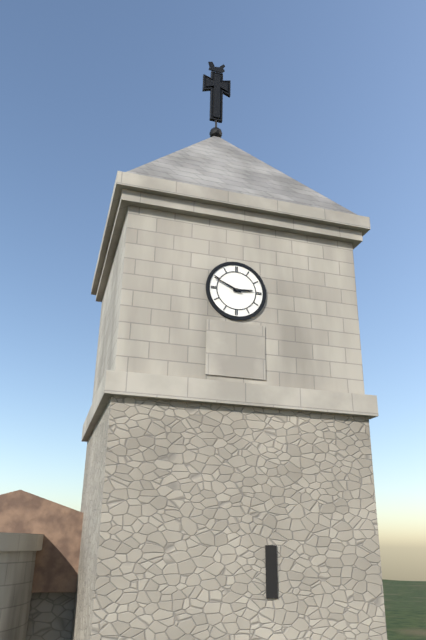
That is h=2 m=49
